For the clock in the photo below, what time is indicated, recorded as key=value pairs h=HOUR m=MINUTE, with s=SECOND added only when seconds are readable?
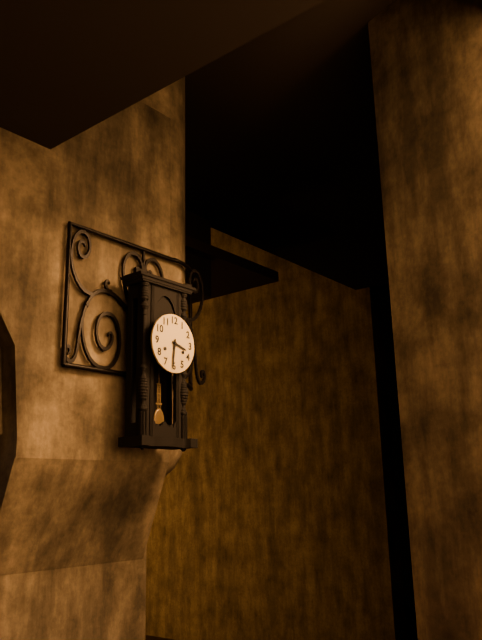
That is h=3 m=31
